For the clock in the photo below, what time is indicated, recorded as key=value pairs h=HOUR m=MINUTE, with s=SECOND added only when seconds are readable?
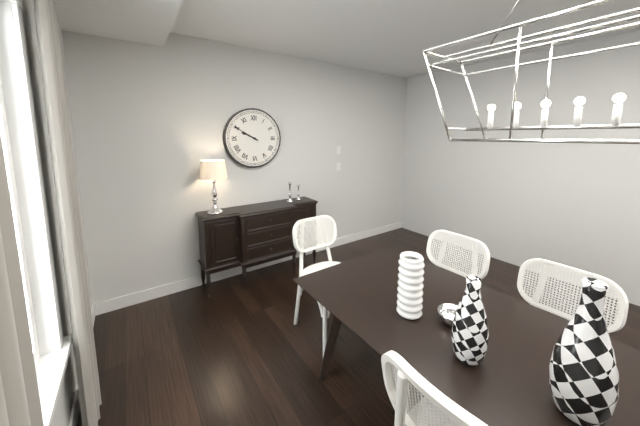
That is h=9 m=50
